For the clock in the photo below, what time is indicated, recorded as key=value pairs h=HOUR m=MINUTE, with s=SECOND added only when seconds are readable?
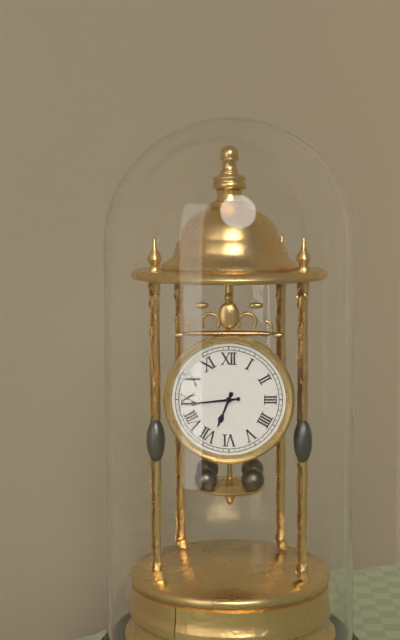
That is h=6 m=44
